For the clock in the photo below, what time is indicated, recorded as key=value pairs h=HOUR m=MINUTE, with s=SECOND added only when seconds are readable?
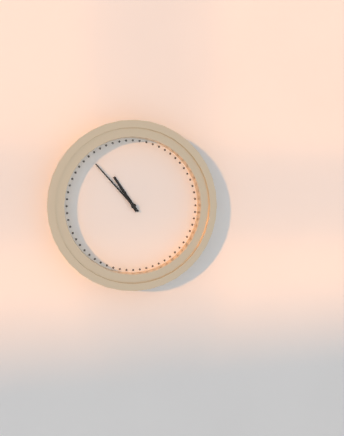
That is h=10 m=53
